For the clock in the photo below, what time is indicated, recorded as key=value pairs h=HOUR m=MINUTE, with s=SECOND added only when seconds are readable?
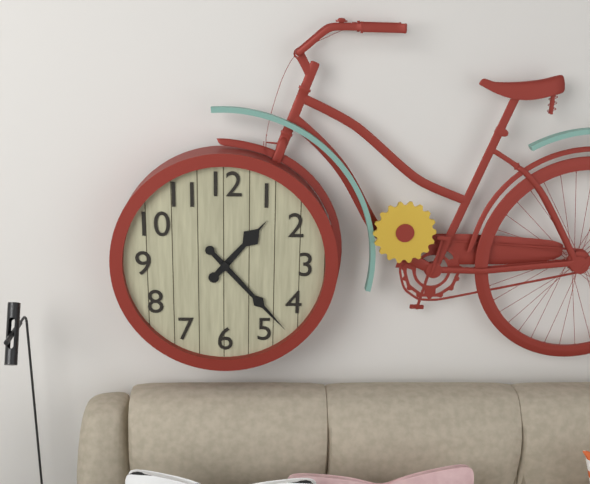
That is h=1 m=23
